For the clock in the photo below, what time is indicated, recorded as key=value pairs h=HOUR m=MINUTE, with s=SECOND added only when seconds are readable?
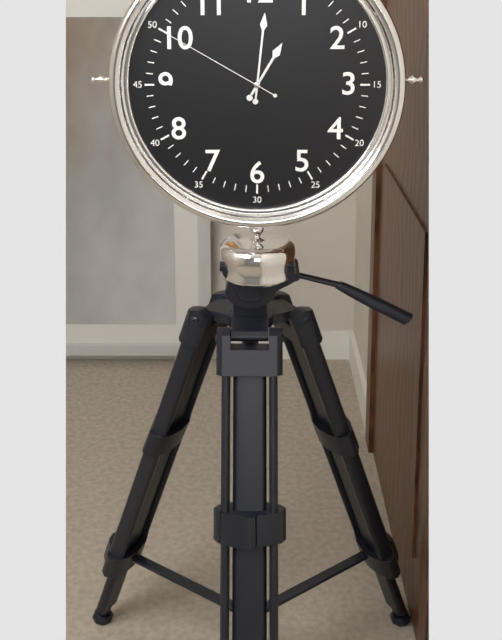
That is h=1 m=1 s=50
